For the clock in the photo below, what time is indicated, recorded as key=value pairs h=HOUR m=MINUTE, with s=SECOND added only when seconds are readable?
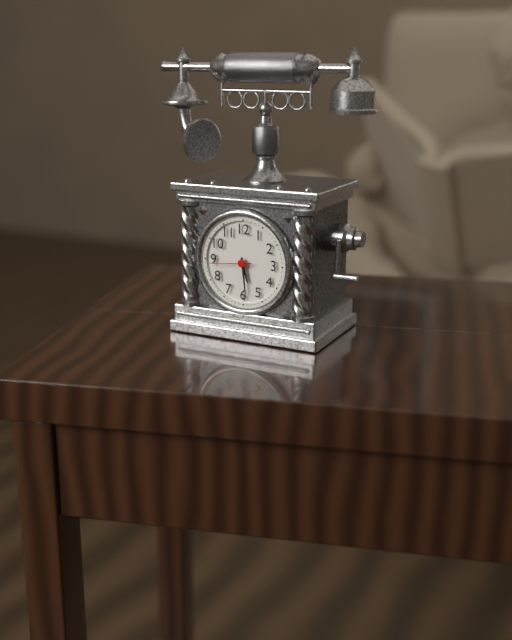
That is h=5 m=29
